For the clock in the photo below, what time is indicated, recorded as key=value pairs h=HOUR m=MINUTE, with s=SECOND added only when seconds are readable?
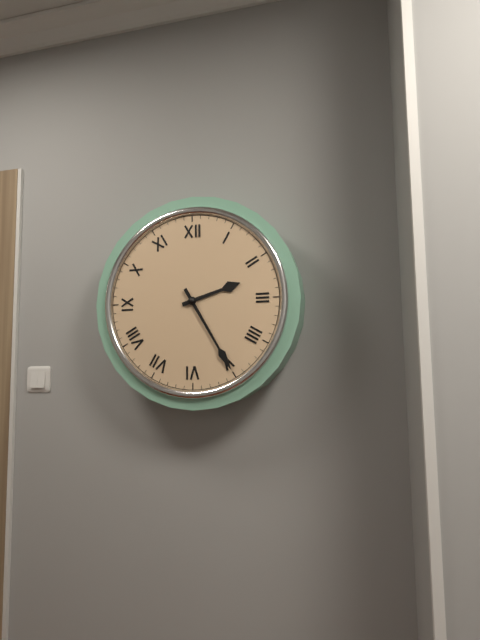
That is h=2 m=25
